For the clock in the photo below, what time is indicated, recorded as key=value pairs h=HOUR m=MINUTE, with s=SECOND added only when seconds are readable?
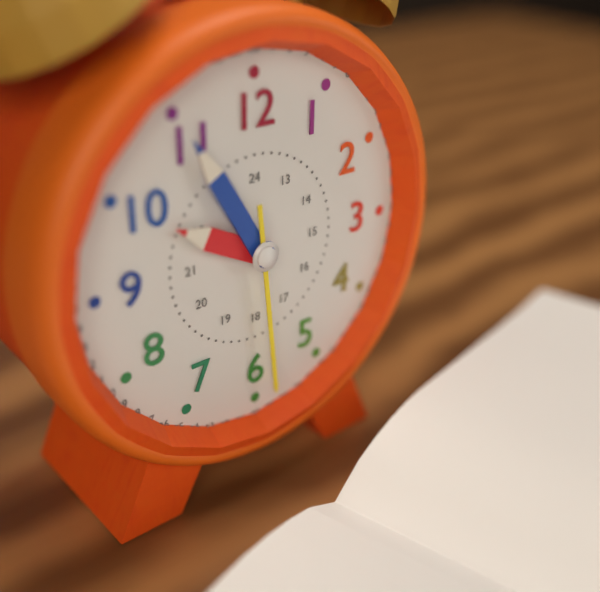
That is h=9 m=55 s=29
